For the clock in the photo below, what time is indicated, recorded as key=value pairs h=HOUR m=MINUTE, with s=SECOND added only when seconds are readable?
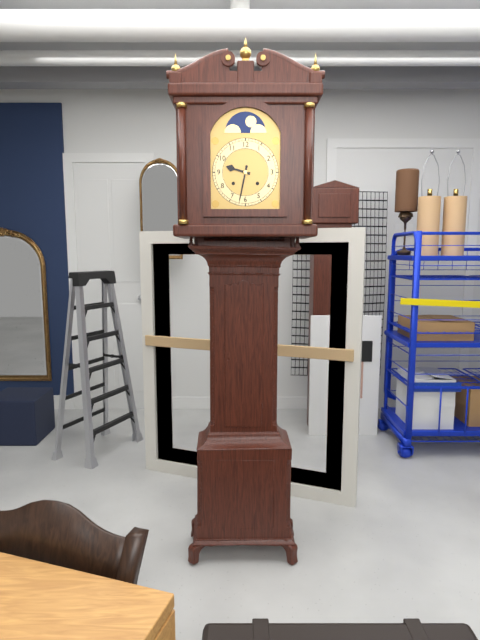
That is h=9 m=32
